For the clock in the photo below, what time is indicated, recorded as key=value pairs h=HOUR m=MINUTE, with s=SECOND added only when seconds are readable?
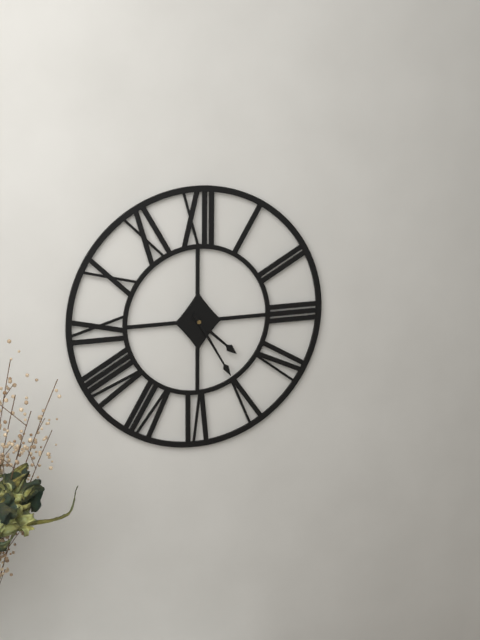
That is h=4 m=25
